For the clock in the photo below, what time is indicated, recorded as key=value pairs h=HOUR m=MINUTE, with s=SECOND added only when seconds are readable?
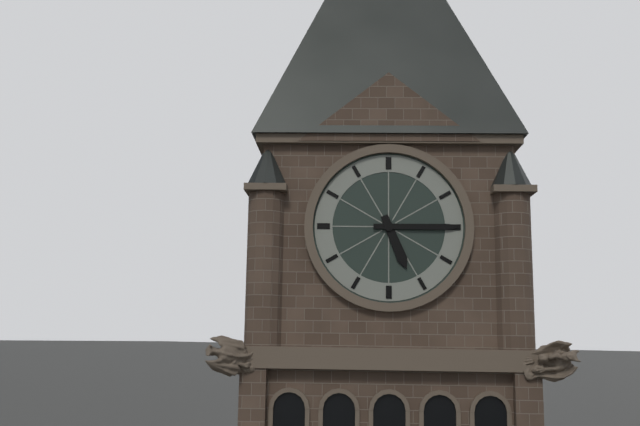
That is h=5 m=15
